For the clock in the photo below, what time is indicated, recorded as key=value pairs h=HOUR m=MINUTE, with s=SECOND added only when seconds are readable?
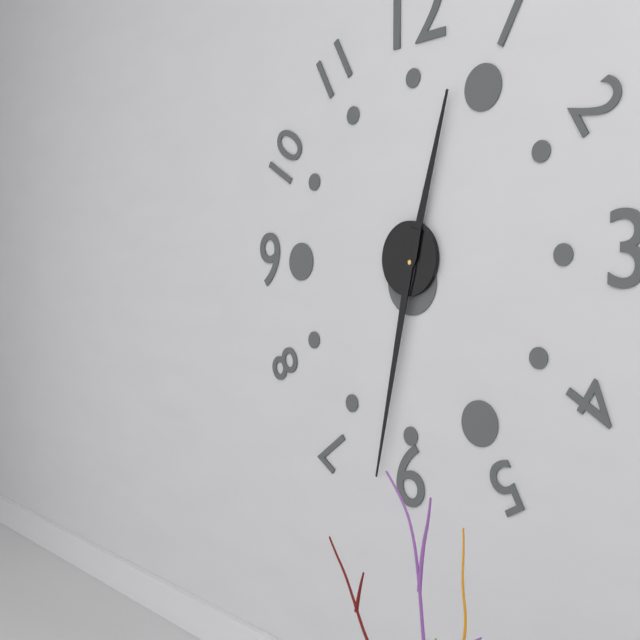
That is h=12 m=32
